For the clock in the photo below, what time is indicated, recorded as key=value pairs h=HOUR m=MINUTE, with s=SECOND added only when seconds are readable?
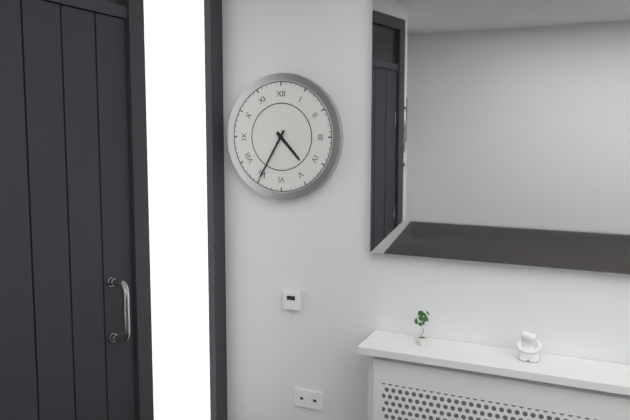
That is h=4 m=35
